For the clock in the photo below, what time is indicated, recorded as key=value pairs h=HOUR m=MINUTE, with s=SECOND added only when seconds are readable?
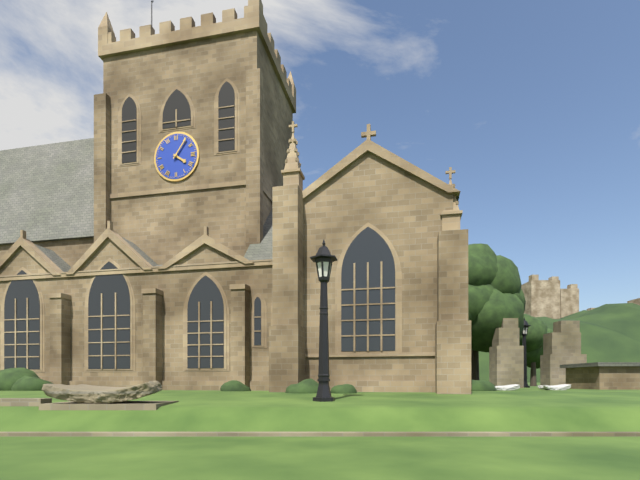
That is h=4 m=6
